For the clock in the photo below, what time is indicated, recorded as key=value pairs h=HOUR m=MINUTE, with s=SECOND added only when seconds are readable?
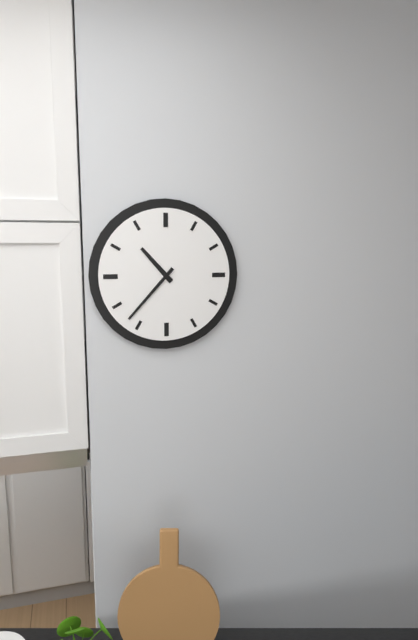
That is h=10 m=37
